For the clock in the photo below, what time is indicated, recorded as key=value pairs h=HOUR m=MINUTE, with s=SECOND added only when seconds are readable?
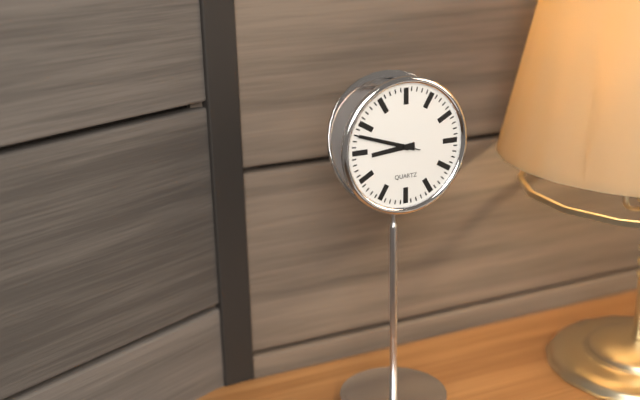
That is h=8 m=48 s=48
